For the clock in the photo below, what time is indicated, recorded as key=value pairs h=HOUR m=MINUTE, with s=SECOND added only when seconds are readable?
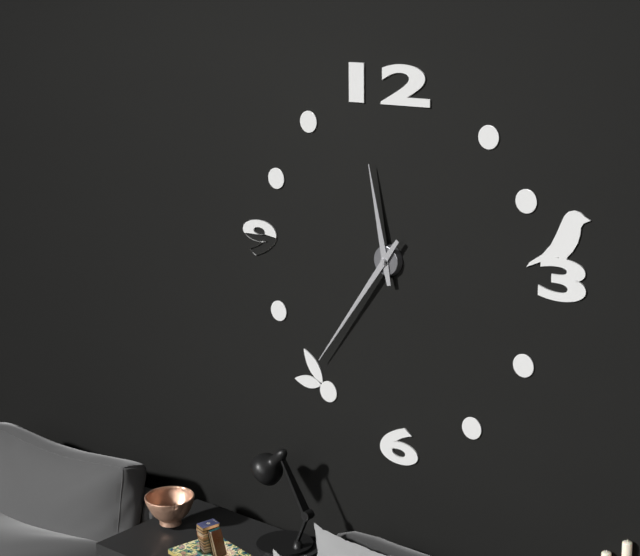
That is h=11 m=36
